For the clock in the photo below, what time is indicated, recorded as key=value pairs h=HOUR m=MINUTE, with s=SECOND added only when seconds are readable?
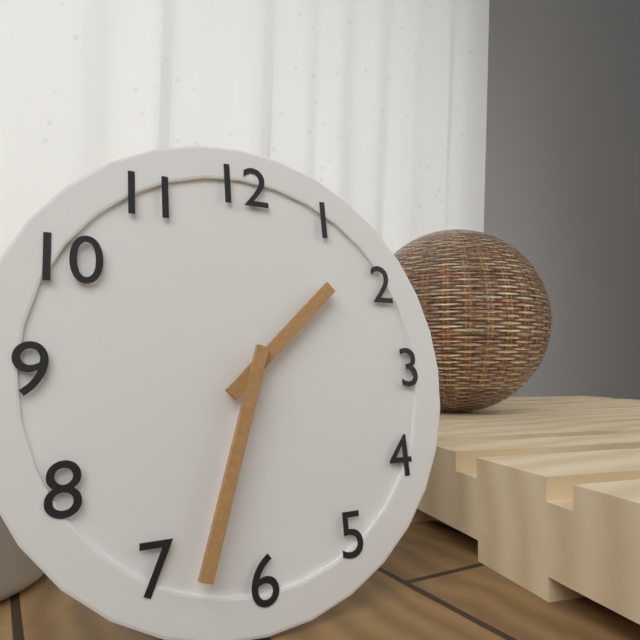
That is h=1 m=33
